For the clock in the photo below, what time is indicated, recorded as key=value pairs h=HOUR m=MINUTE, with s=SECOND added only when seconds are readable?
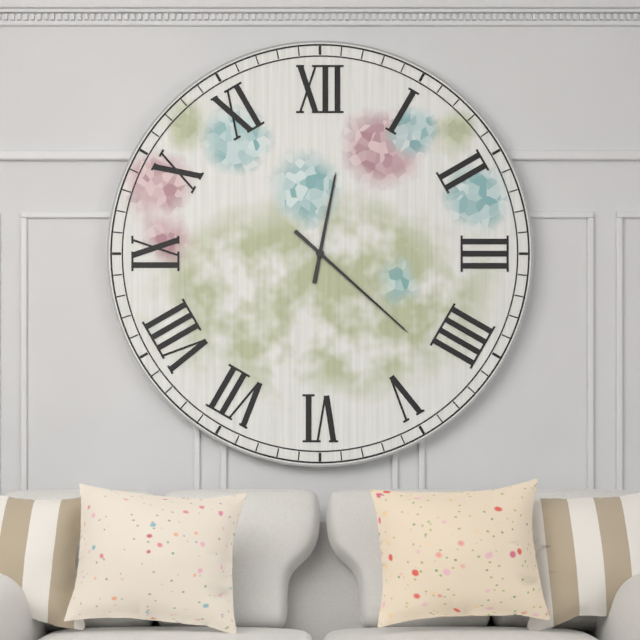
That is h=12 m=22
